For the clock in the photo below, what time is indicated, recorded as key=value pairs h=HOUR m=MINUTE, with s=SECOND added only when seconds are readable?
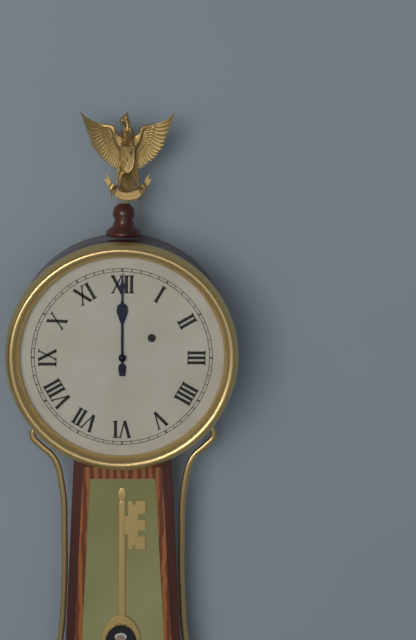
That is h=12 m=0
